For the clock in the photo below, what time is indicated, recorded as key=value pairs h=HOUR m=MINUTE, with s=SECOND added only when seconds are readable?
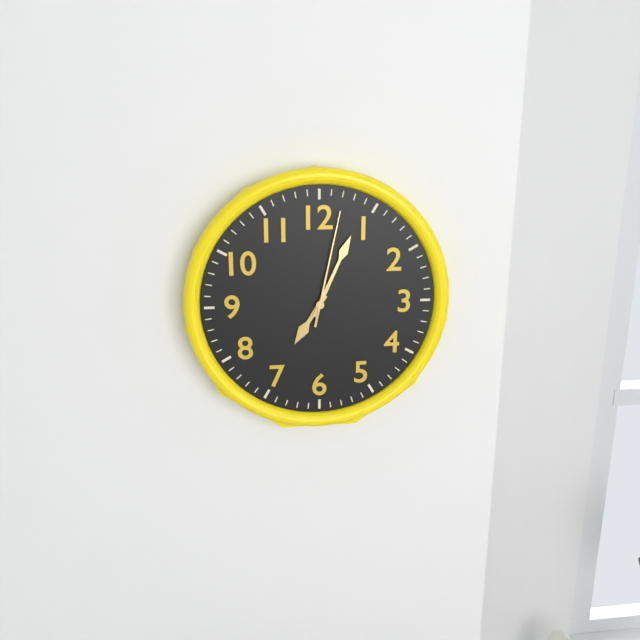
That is h=7 m=4 s=2
